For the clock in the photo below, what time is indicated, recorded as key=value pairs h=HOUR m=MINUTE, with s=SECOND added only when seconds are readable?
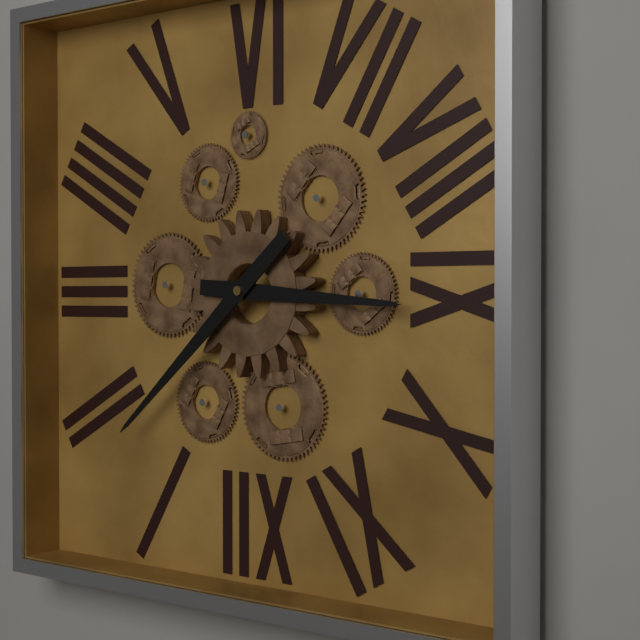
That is h=9 m=8
